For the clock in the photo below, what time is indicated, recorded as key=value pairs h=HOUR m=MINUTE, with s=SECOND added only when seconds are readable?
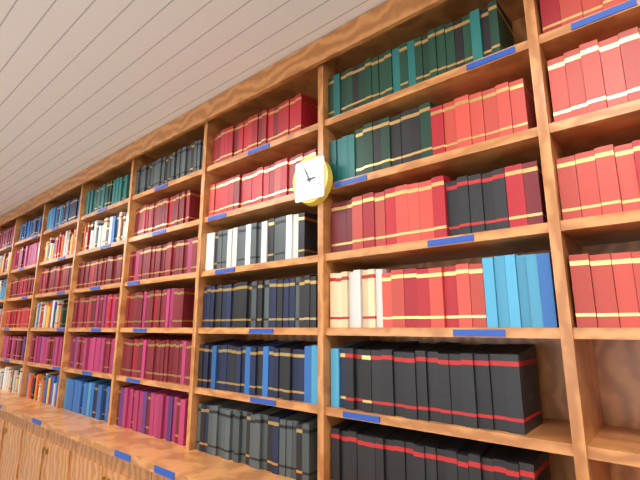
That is h=2 m=56
